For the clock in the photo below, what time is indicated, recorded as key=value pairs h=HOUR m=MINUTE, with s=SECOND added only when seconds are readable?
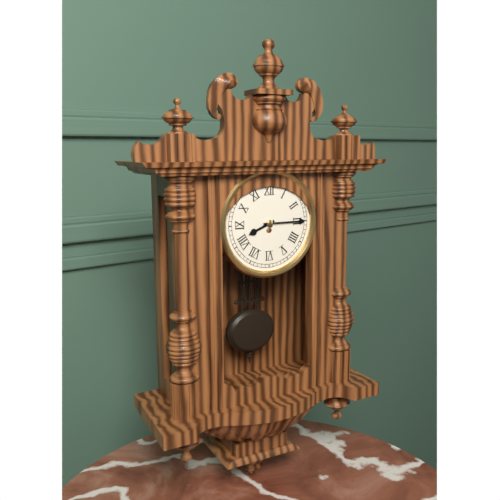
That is h=8 m=15
